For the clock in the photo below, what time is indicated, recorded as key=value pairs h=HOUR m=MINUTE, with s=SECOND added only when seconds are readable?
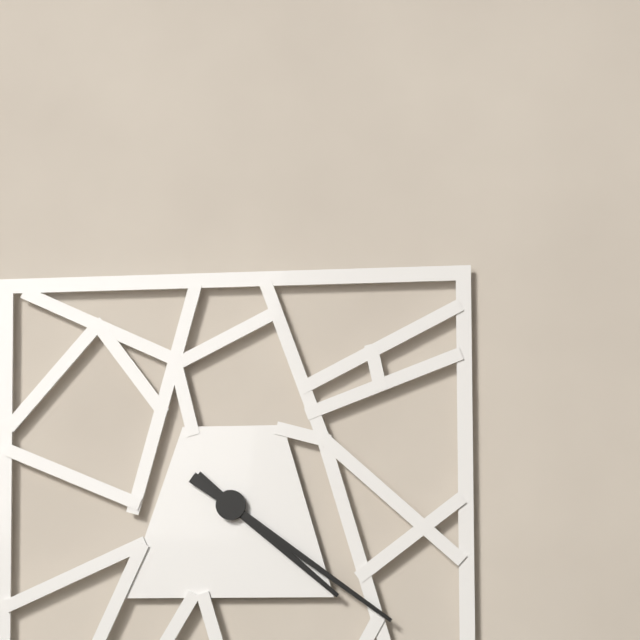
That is h=4 m=21
